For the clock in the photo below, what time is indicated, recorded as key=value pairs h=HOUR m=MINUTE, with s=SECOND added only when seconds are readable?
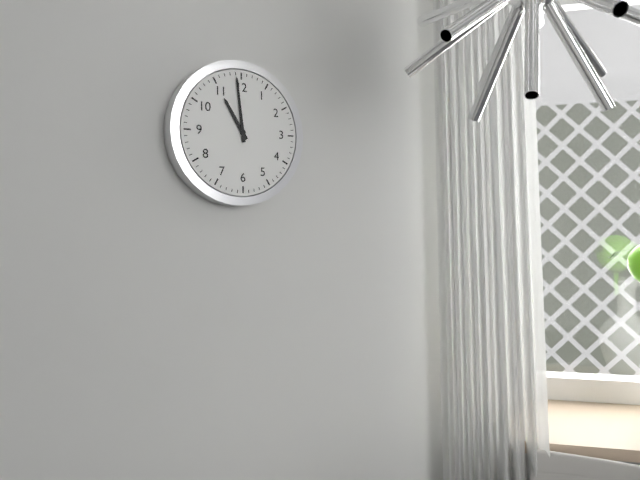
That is h=10 m=59
